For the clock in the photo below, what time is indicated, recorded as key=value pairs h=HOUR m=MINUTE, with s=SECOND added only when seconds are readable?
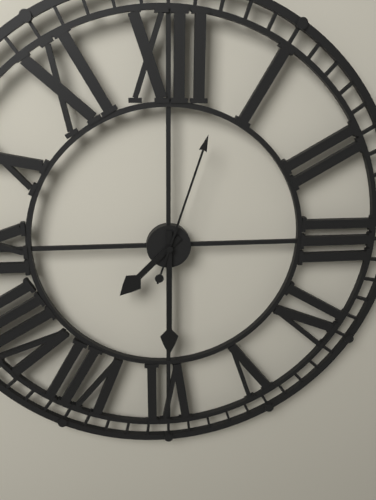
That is h=7 m=30 s=3
